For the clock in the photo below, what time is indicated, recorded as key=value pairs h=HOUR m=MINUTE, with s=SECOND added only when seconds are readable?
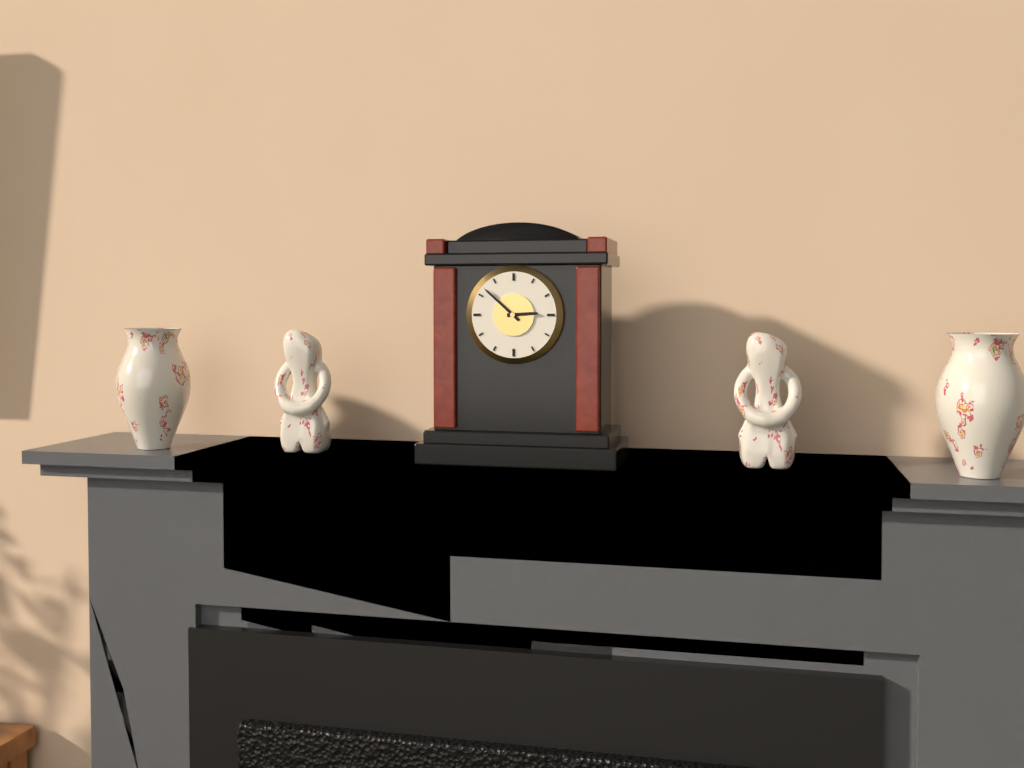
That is h=2 m=52
